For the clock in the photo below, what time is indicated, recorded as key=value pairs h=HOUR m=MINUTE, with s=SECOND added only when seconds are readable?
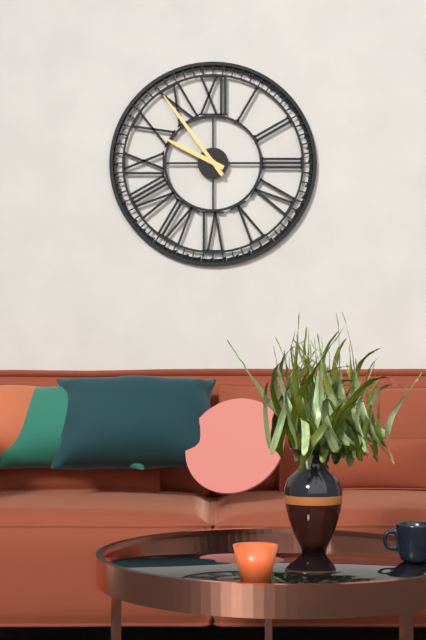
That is h=9 m=54
